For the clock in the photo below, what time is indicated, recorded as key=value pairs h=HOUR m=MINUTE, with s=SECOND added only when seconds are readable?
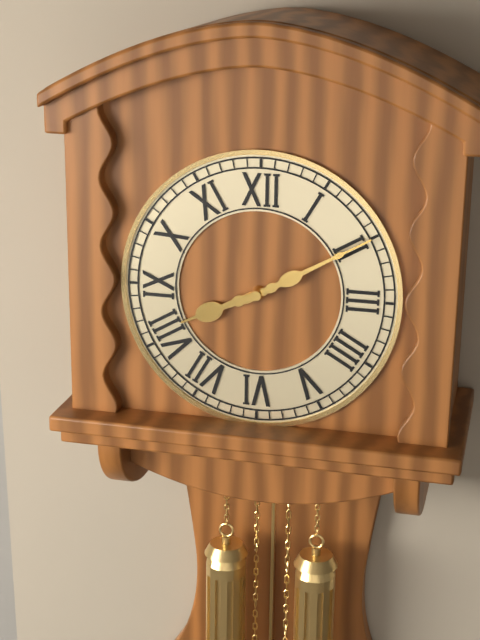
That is h=8 m=10
